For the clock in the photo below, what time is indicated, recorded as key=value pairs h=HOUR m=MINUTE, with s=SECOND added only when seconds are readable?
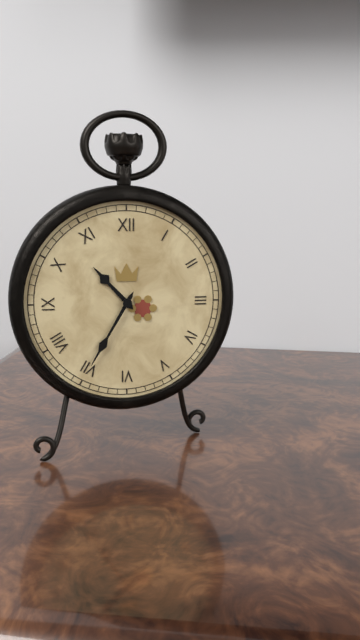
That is h=10 m=35
